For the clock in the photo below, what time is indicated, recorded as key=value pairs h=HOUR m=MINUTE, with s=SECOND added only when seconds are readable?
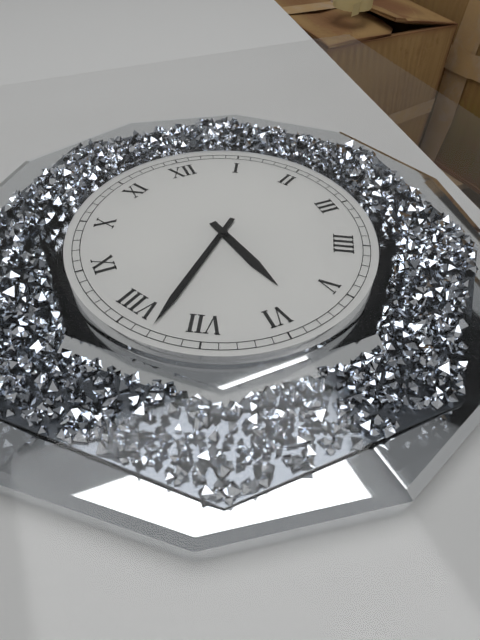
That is h=5 m=38
